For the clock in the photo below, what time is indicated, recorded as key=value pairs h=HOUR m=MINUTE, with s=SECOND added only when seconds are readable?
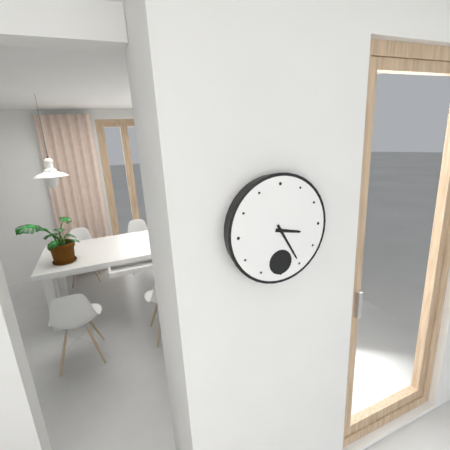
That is h=3 m=25
